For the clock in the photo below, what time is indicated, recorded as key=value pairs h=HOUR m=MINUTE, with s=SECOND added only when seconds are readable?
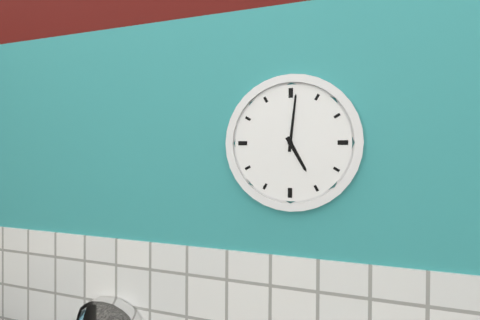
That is h=5 m=1
